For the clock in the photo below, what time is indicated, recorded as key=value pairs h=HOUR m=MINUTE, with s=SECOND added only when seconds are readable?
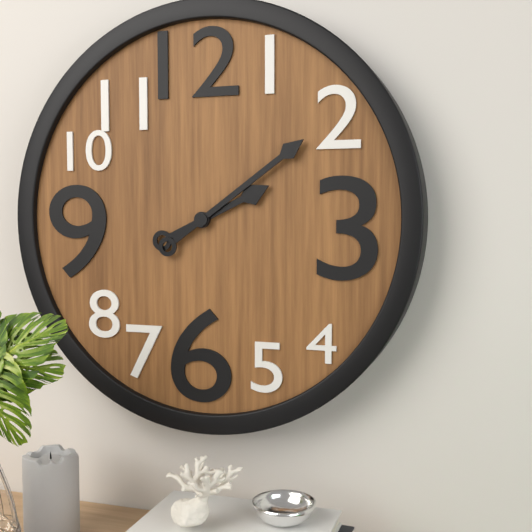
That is h=2 m=9
